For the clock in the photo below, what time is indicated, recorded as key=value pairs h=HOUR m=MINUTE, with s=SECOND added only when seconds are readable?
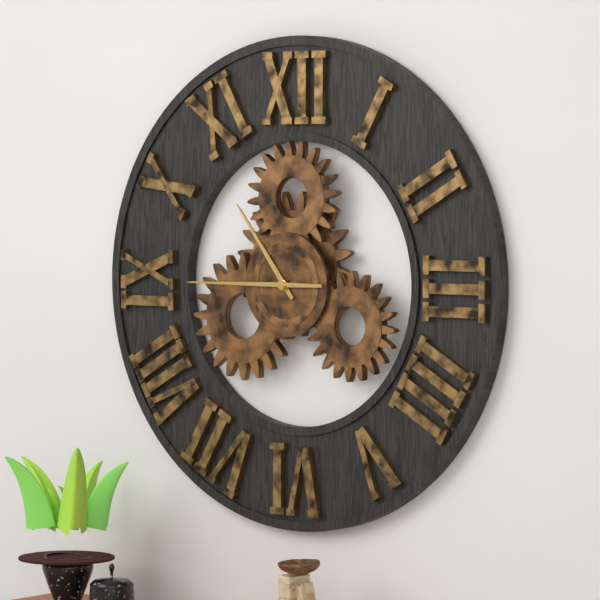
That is h=10 m=45
